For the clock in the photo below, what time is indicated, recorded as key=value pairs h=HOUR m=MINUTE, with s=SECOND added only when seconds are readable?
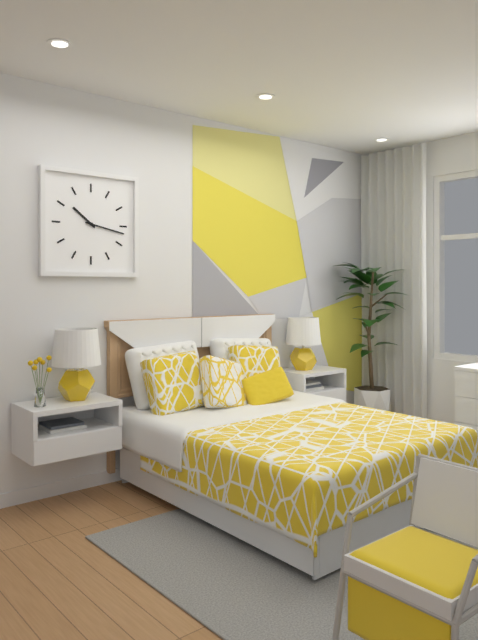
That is h=10 m=17
